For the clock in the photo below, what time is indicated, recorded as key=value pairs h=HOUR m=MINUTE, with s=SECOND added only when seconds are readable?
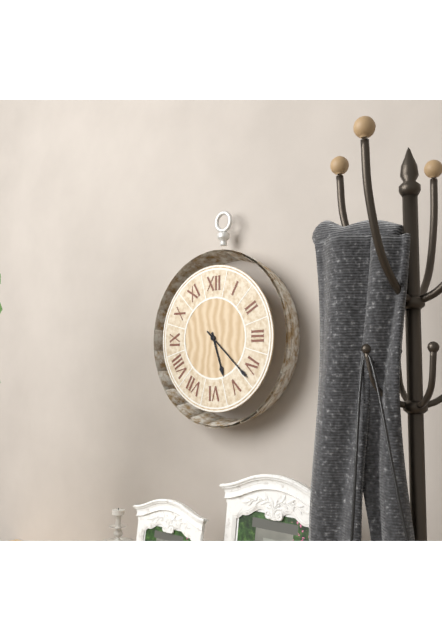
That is h=5 m=22
